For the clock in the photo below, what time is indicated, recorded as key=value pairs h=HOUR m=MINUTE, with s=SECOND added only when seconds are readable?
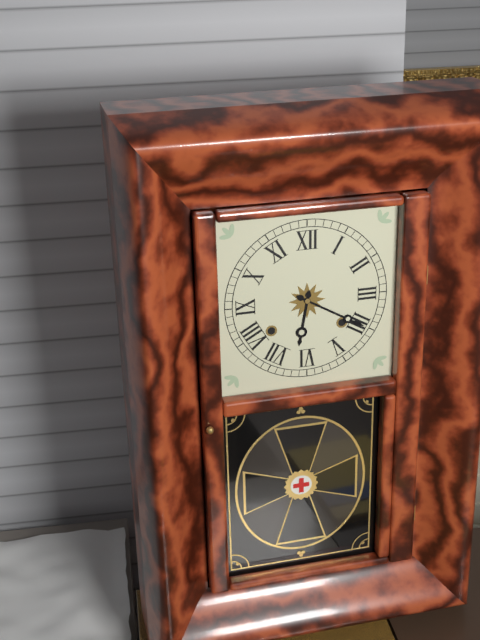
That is h=6 m=20
